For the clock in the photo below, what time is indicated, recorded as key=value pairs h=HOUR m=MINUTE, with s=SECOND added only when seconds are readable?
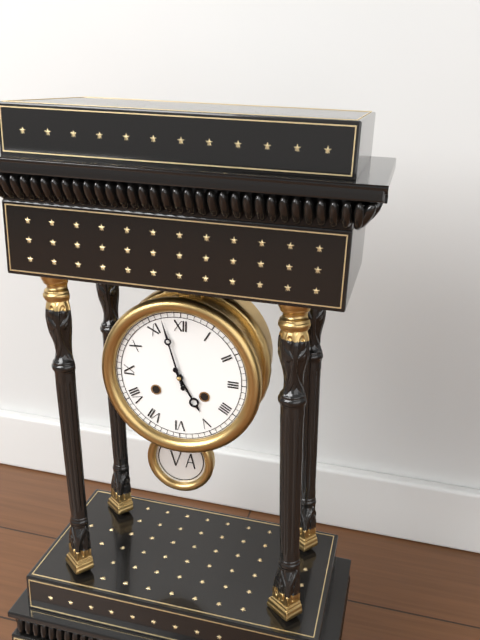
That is h=4 m=57
